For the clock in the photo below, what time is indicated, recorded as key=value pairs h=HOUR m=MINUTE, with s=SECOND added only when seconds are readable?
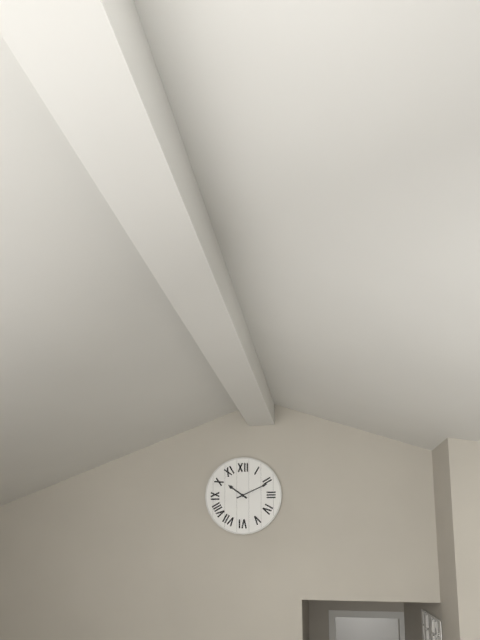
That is h=10 m=11
